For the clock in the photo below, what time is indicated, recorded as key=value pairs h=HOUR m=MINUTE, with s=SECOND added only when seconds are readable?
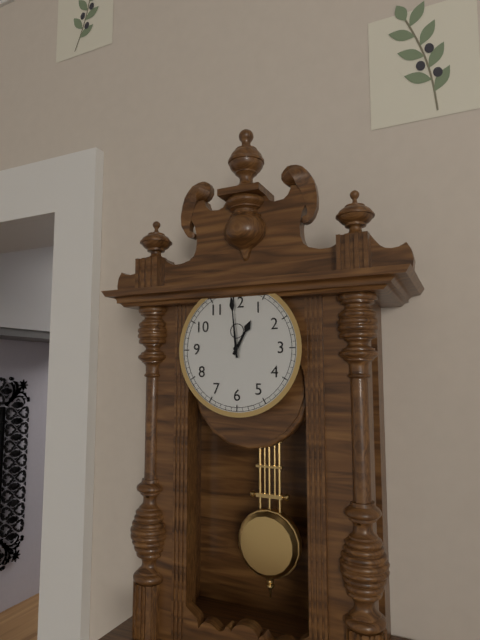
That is h=12 m=59
